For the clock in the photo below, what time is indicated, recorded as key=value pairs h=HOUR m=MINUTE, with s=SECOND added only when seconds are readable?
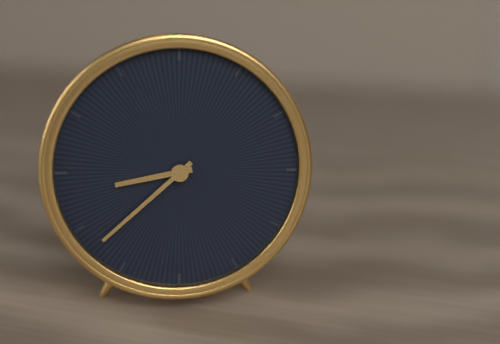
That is h=8 m=38
